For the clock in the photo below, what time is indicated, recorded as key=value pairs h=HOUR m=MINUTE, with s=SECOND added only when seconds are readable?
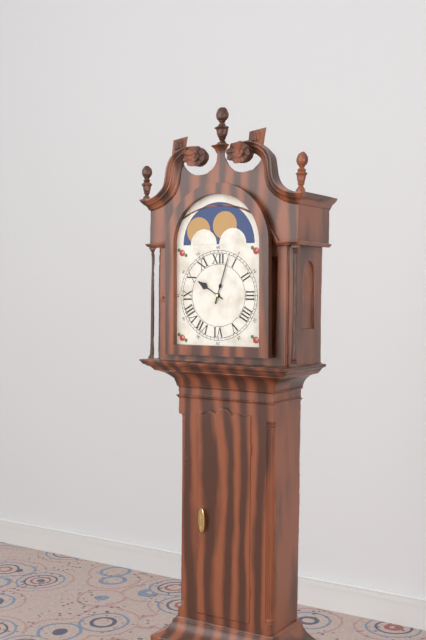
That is h=10 m=3
